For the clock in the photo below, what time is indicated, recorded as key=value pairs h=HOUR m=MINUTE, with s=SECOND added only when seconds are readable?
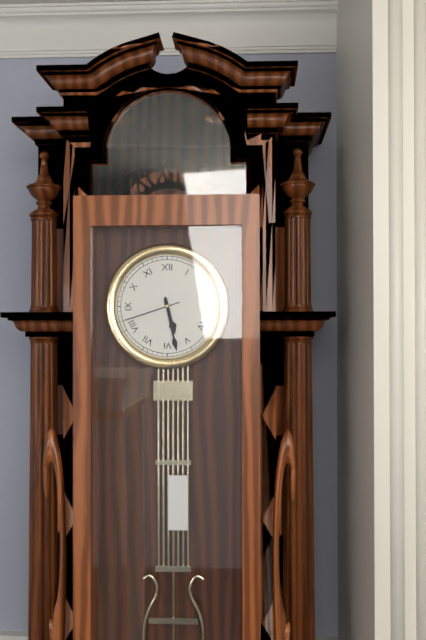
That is h=5 m=28 s=42
